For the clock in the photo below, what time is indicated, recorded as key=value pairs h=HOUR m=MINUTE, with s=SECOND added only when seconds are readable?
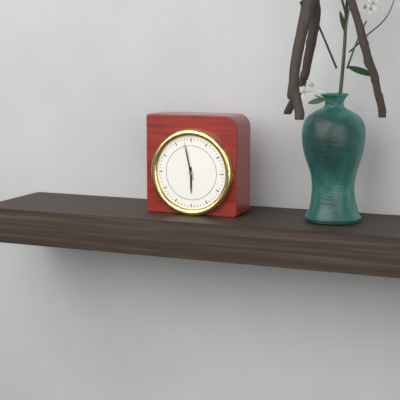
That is h=5 m=58
